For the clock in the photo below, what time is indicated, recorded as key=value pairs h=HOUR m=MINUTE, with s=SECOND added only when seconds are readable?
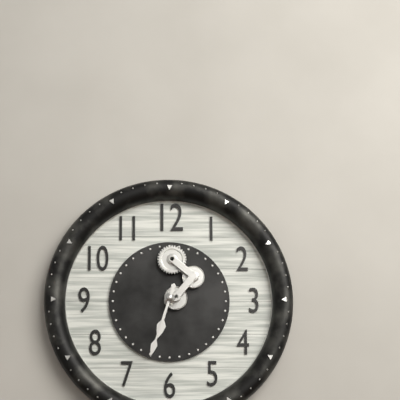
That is h=6 m=33
